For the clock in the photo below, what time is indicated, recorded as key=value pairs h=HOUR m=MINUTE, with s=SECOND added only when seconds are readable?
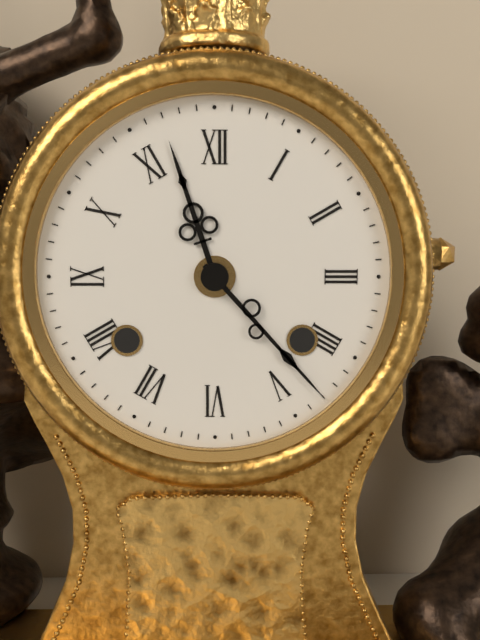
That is h=11 m=23
